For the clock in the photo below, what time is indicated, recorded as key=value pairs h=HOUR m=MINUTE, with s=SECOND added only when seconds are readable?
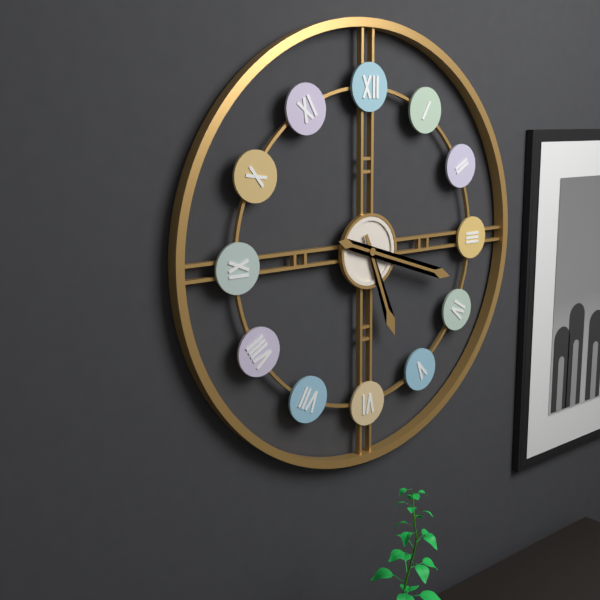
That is h=5 m=18
